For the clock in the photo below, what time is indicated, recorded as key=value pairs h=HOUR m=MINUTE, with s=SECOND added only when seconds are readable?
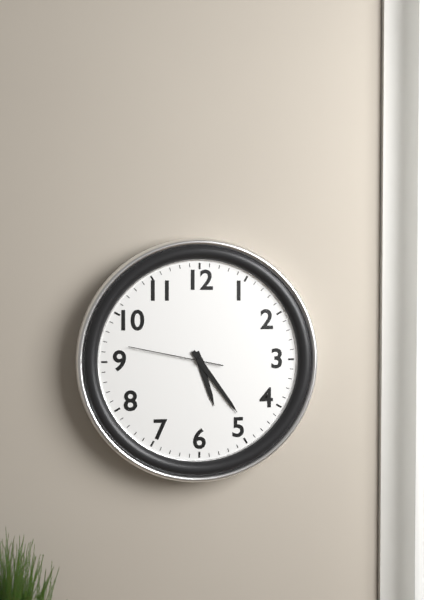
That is h=5 m=24 s=47
